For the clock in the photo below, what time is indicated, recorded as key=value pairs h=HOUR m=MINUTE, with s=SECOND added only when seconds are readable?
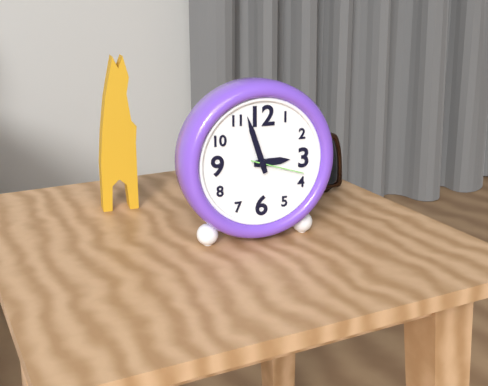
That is h=2 m=57 s=18
